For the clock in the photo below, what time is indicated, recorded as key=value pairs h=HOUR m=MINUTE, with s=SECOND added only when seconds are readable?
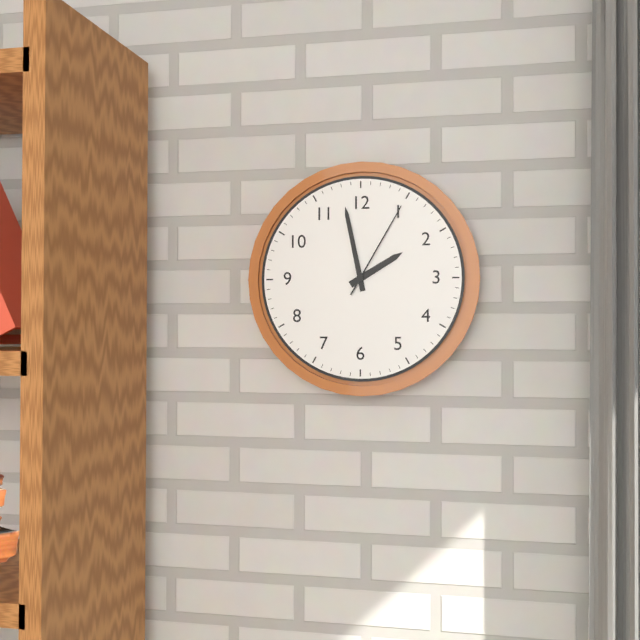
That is h=1 m=58 s=5
